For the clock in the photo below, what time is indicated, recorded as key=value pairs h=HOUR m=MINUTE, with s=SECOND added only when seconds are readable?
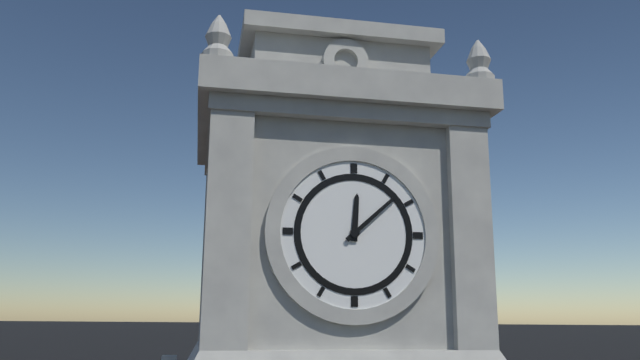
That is h=12 m=8
